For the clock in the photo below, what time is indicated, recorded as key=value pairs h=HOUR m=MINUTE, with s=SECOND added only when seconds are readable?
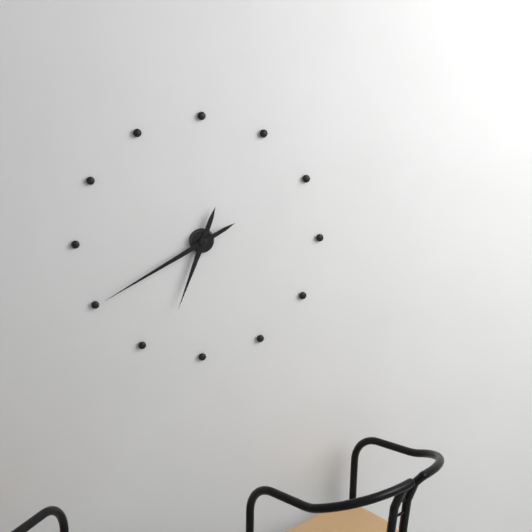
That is h=6 m=40
